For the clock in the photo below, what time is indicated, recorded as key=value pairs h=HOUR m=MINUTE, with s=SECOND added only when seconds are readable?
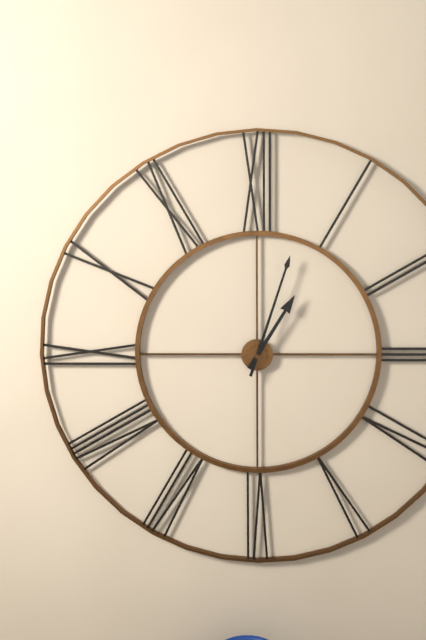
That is h=1 m=3
